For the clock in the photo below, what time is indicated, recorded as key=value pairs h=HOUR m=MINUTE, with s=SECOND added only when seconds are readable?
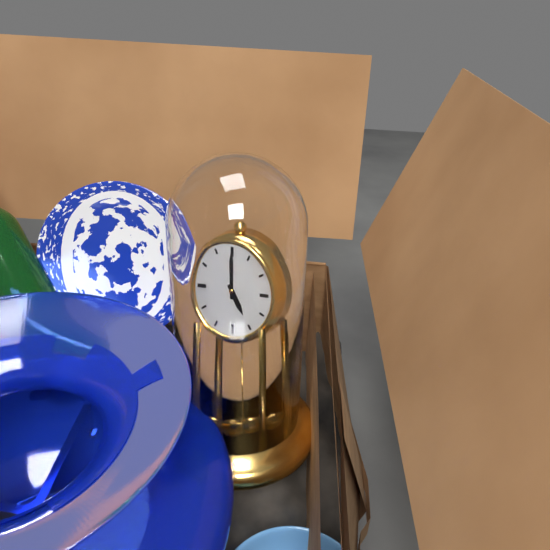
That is h=5 m=0
